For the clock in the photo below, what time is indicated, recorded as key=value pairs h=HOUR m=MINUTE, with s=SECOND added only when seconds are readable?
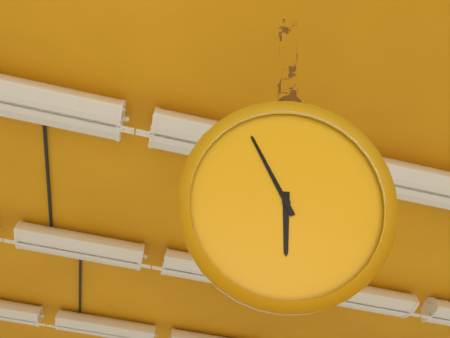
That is h=5 m=55
